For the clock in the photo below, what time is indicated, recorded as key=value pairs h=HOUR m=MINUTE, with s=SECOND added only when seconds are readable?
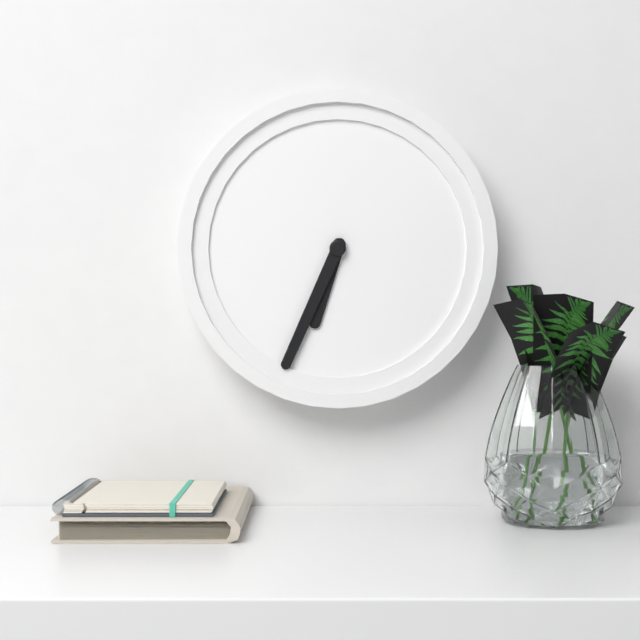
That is h=6 m=34
